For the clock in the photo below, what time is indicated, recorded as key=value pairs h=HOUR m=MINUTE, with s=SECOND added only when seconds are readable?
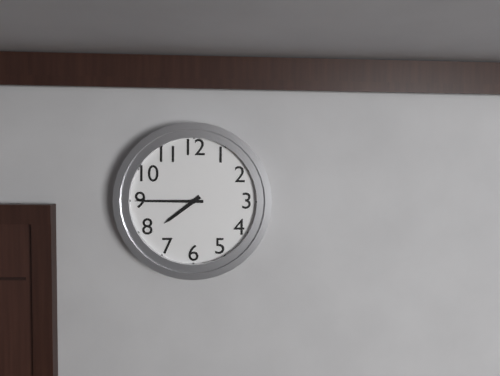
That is h=7 m=45
